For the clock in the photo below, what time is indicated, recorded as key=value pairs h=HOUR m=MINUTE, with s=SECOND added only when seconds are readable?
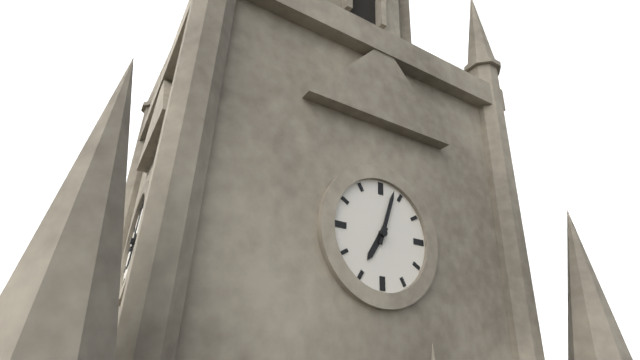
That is h=7 m=3
